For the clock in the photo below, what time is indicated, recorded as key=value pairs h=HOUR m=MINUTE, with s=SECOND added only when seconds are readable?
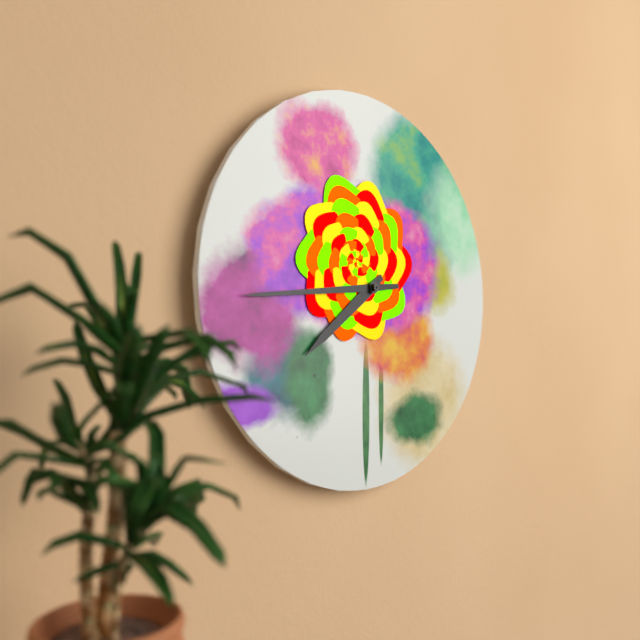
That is h=7 m=44
